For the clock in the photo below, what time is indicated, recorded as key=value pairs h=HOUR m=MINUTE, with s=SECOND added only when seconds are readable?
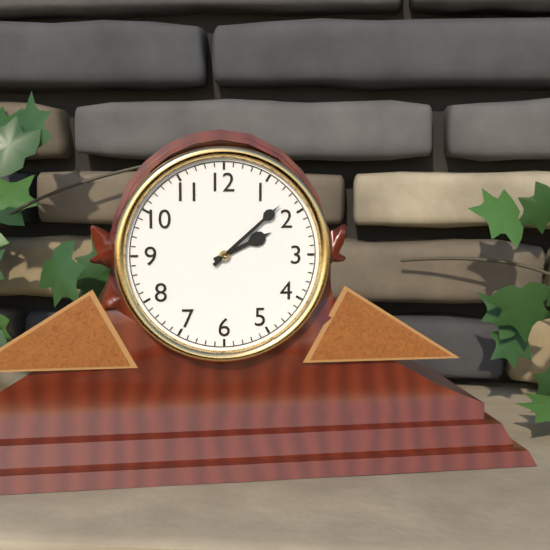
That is h=2 m=8
